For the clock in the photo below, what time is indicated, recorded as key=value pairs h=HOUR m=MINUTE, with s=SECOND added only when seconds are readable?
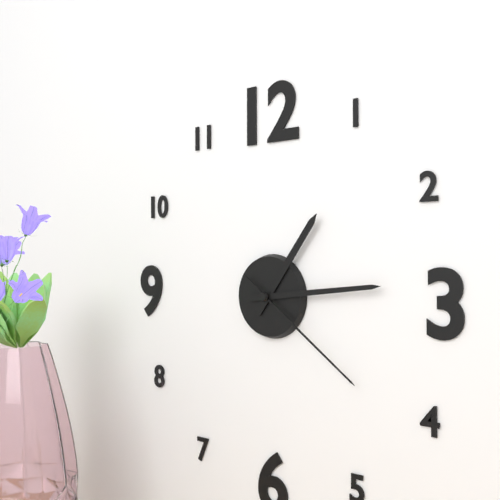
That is h=1 m=14 s=21
